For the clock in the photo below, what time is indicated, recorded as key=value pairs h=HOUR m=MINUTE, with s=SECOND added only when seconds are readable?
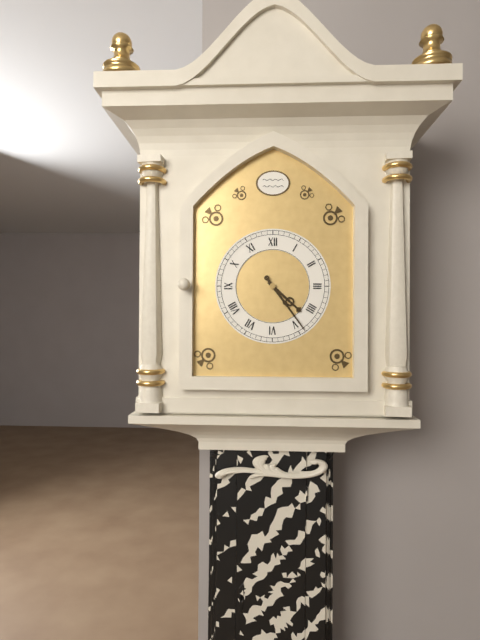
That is h=4 m=24
